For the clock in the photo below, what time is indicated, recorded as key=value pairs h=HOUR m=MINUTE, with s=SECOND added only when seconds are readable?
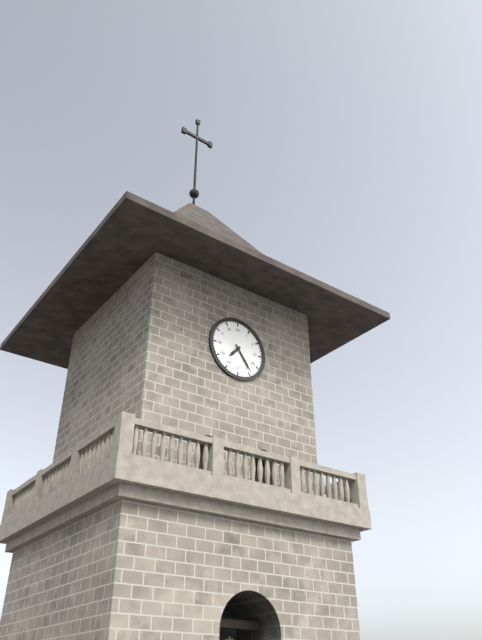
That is h=7 m=24
